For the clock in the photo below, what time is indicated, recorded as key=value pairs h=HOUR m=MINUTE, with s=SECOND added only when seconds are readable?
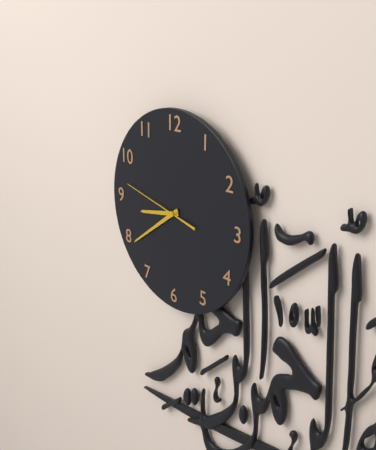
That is h=8 m=39 s=47
